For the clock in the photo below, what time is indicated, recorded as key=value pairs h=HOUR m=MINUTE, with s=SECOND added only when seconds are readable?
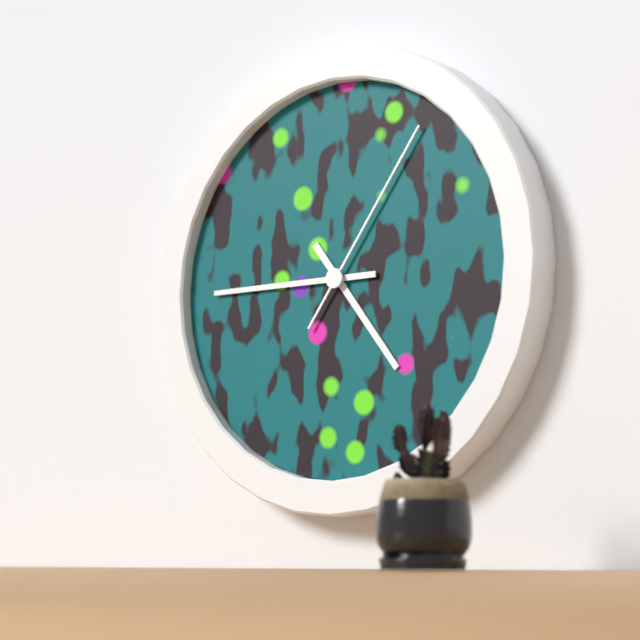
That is h=4 m=45 s=6
